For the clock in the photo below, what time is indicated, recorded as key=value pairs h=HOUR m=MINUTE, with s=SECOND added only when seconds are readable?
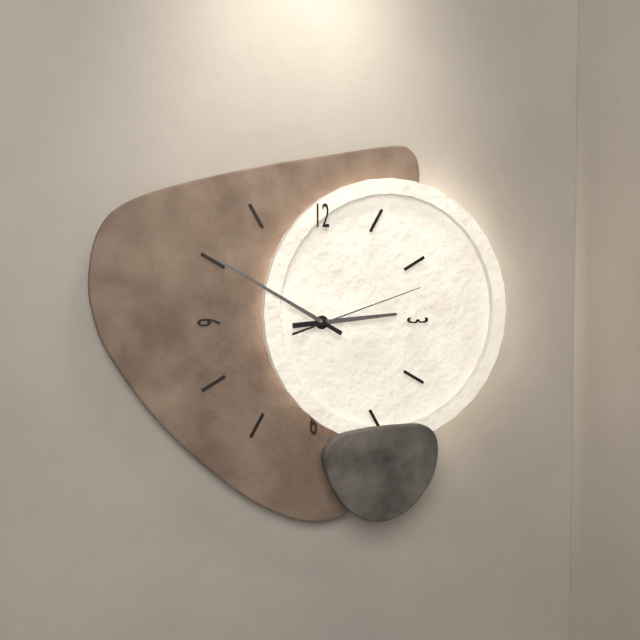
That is h=2 m=50 s=12
